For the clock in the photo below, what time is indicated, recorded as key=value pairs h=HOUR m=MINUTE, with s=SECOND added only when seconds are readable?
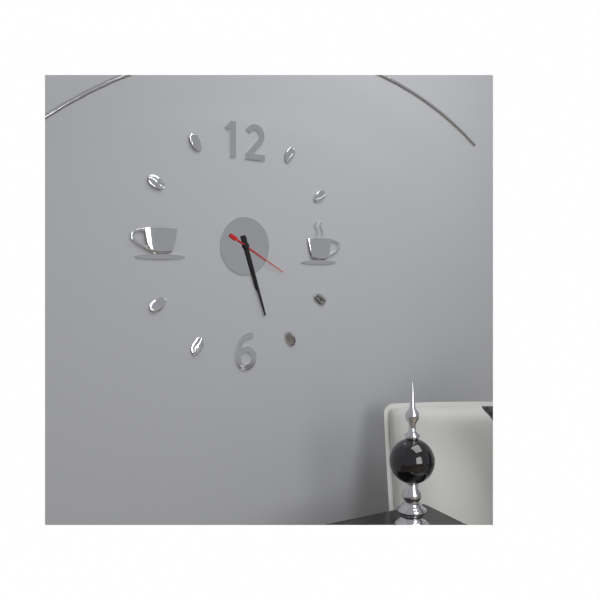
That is h=5 m=27 s=20
